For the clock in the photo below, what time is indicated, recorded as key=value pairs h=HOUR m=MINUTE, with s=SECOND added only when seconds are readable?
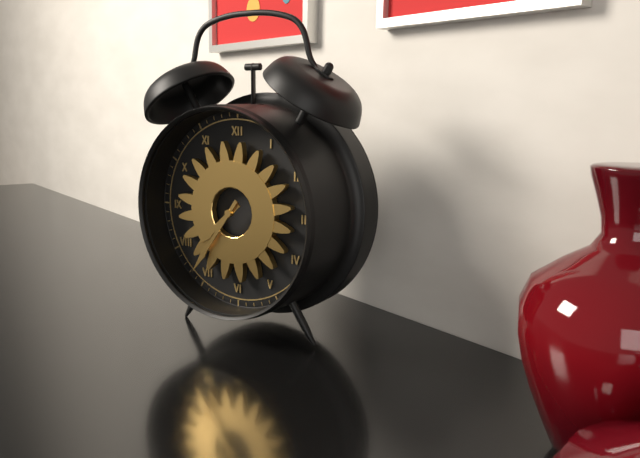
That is h=7 m=36
